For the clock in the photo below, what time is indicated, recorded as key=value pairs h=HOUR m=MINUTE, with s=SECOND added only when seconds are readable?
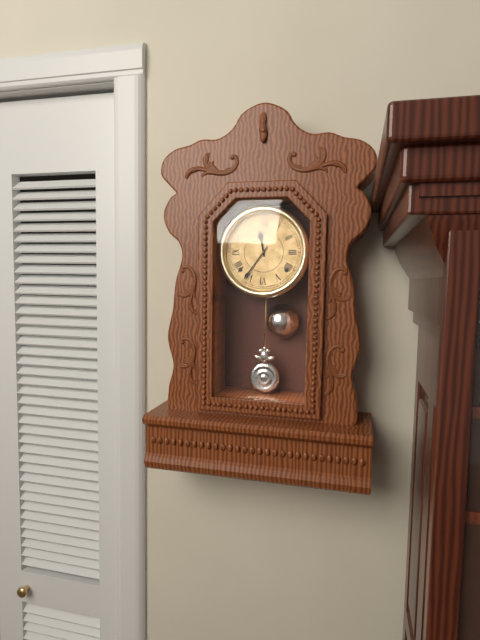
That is h=11 m=36
